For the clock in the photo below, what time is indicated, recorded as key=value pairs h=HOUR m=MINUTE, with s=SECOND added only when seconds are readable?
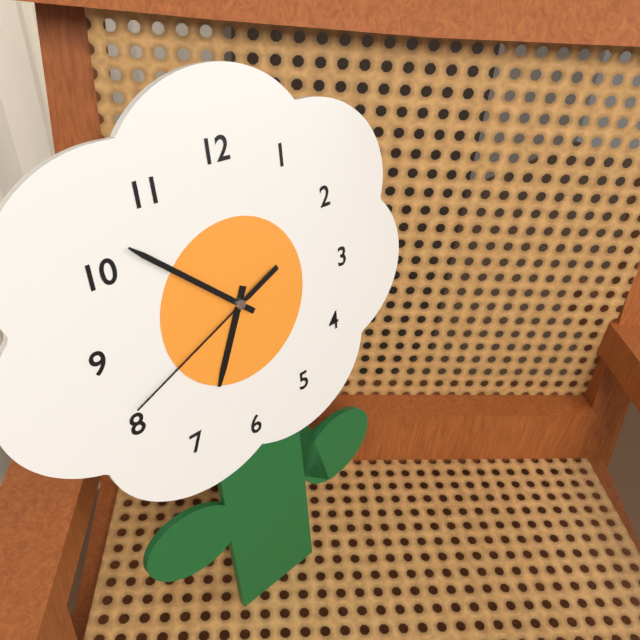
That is h=6 m=52 s=41
